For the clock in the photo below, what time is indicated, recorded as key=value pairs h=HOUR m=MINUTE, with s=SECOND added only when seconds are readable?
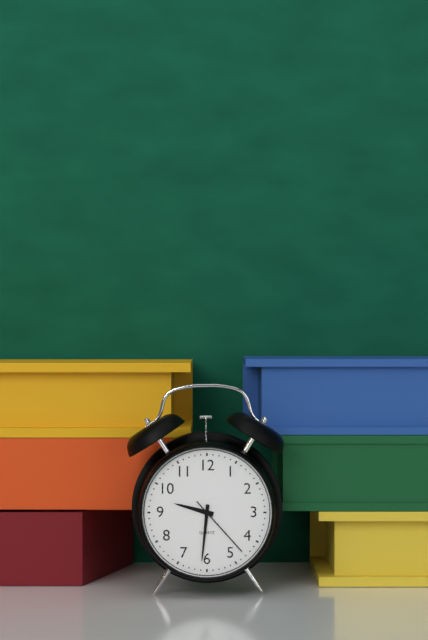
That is h=9 m=31 s=23
